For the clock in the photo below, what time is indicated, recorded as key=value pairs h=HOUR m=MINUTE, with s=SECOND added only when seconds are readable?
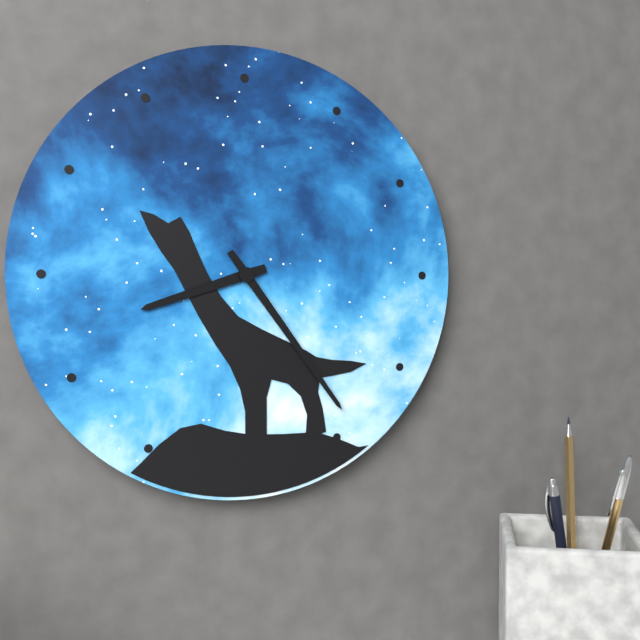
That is h=8 m=24
